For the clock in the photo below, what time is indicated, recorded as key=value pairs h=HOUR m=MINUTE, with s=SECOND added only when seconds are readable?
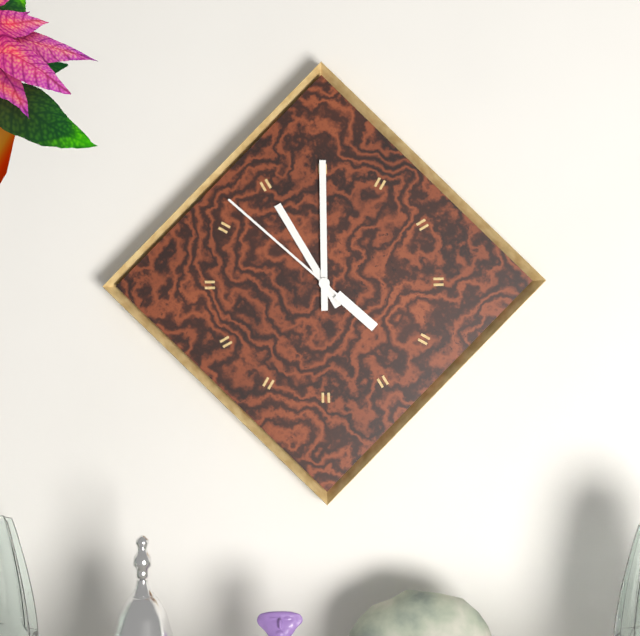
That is h=11 m=0 s=52
